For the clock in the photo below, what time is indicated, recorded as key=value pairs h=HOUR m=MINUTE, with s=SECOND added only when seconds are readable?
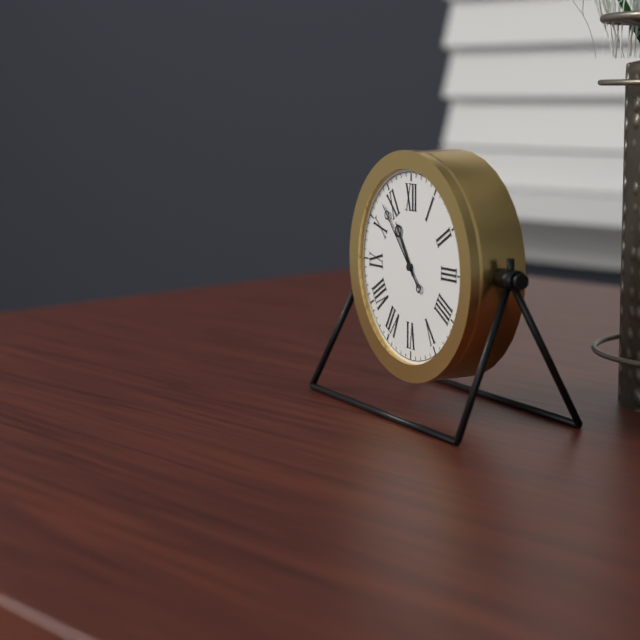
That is h=10 m=53
